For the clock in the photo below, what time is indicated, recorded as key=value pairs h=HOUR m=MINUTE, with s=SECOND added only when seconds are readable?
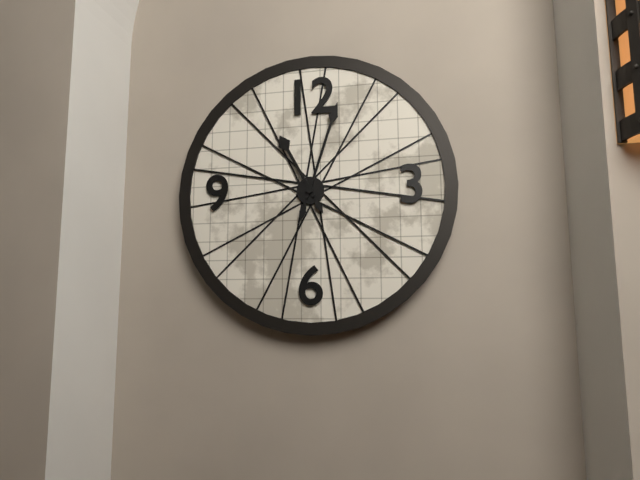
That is h=11 m=3
